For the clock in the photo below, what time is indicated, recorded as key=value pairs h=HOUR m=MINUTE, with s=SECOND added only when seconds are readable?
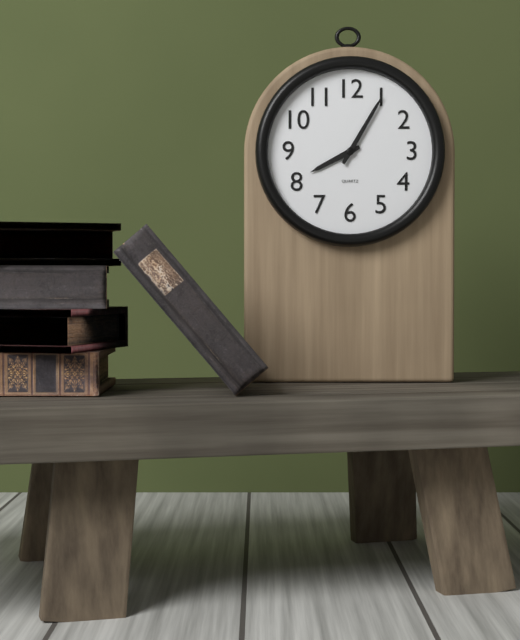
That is h=8 m=5
